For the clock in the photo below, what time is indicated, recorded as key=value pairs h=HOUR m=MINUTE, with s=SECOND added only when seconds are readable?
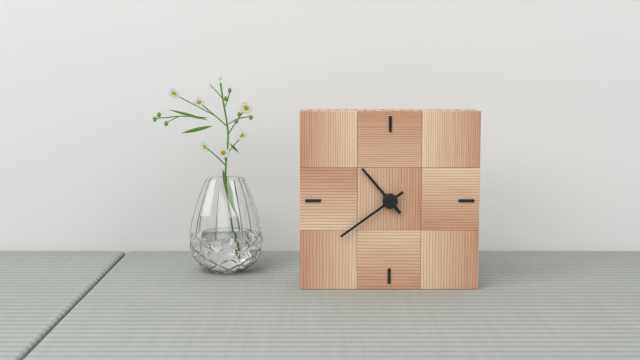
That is h=10 m=39
